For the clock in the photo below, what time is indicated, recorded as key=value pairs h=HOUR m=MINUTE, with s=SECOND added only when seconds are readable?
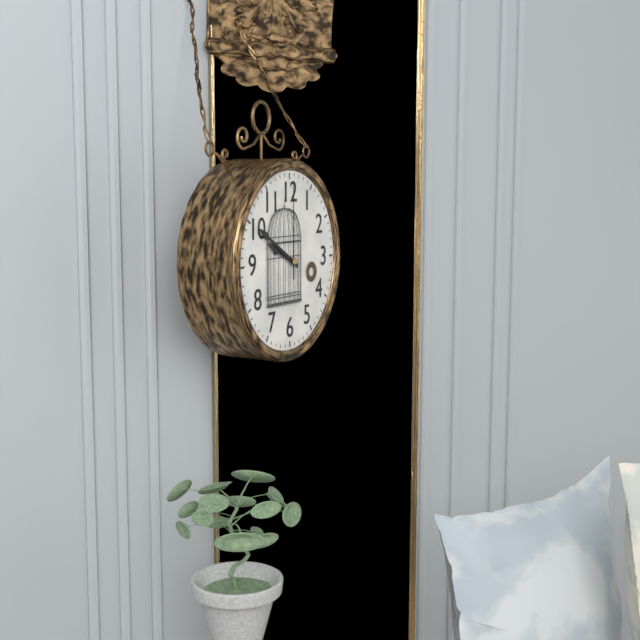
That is h=9 m=50 s=0
